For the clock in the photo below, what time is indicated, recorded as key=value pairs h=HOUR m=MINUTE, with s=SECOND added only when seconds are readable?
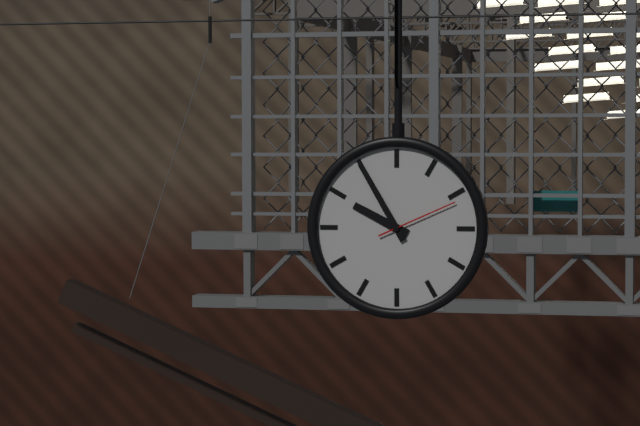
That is h=9 m=55 s=11
